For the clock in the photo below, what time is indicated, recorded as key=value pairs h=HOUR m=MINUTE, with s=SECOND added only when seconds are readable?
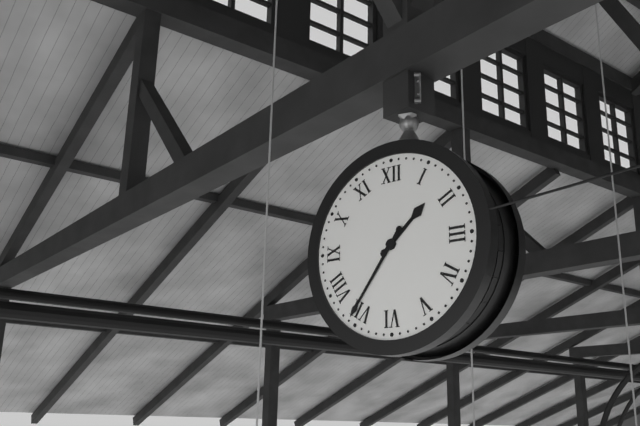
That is h=1 m=36
